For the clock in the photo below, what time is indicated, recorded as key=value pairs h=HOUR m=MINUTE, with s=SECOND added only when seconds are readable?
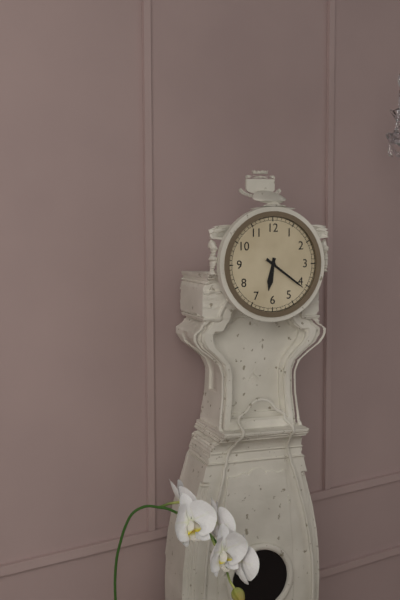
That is h=6 m=21
